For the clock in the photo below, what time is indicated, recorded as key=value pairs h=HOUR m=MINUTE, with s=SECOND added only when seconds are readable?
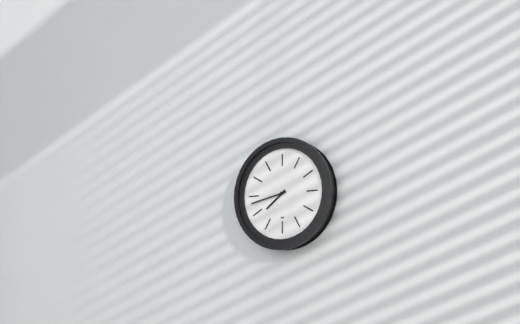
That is h=7 m=43
